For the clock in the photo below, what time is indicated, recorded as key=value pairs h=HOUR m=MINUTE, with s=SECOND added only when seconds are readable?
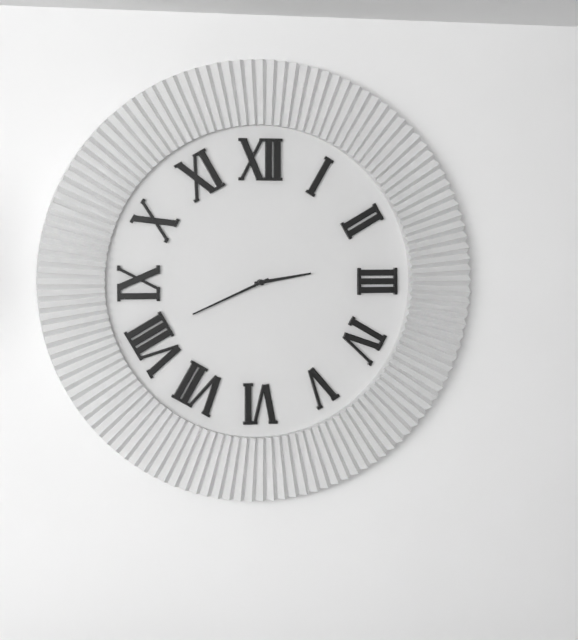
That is h=2 m=41
